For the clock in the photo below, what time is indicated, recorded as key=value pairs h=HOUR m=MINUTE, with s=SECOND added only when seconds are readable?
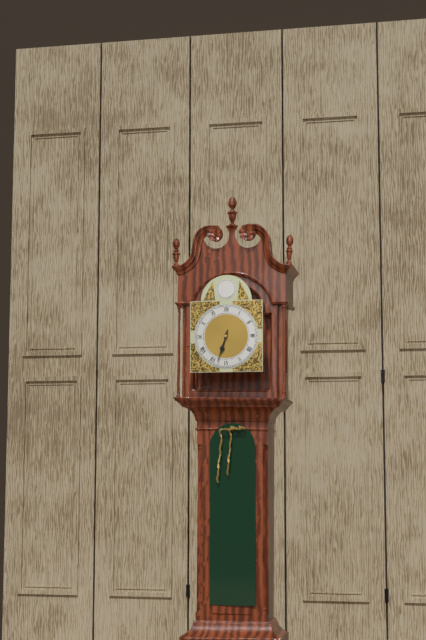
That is h=6 m=33
